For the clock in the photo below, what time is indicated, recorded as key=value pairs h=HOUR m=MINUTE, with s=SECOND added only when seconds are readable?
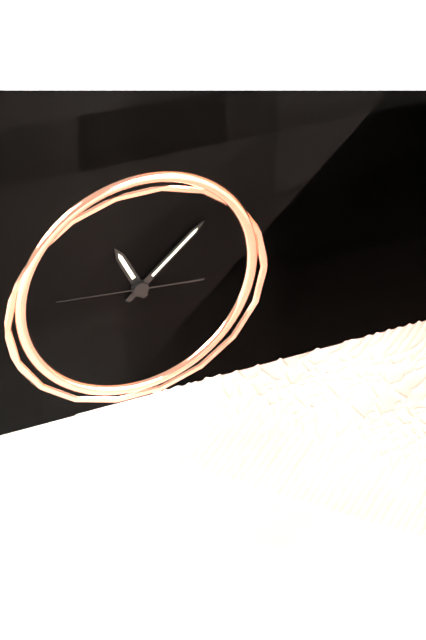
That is h=11 m=8 s=46
